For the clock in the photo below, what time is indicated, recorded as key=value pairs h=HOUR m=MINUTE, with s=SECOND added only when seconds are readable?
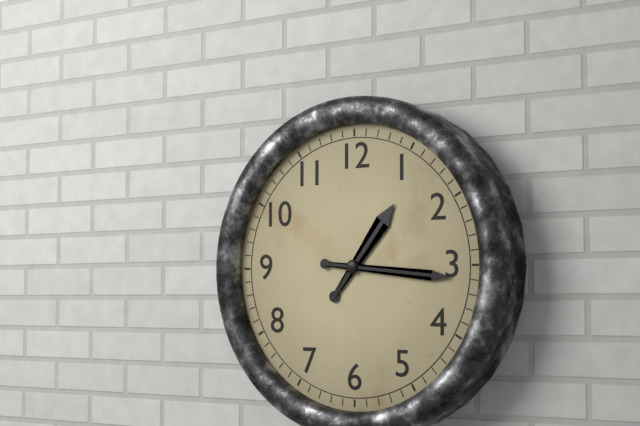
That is h=1 m=16
